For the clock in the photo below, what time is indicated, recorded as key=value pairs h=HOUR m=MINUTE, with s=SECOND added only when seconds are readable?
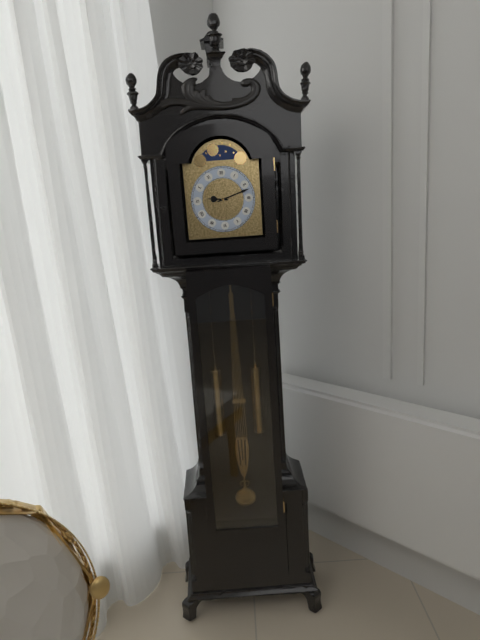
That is h=9 m=12
